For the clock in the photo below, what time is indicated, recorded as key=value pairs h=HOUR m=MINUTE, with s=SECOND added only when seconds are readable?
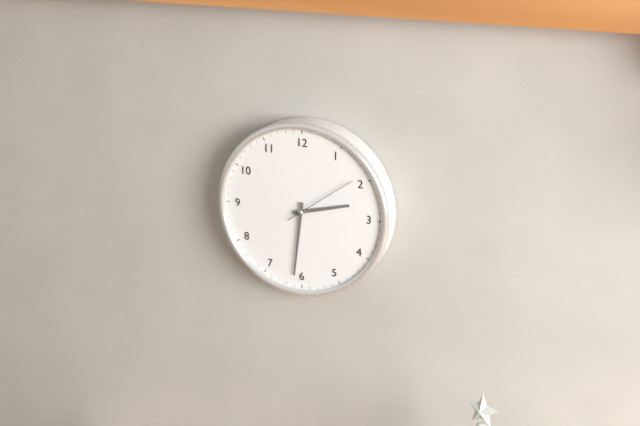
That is h=2 m=31 s=9
